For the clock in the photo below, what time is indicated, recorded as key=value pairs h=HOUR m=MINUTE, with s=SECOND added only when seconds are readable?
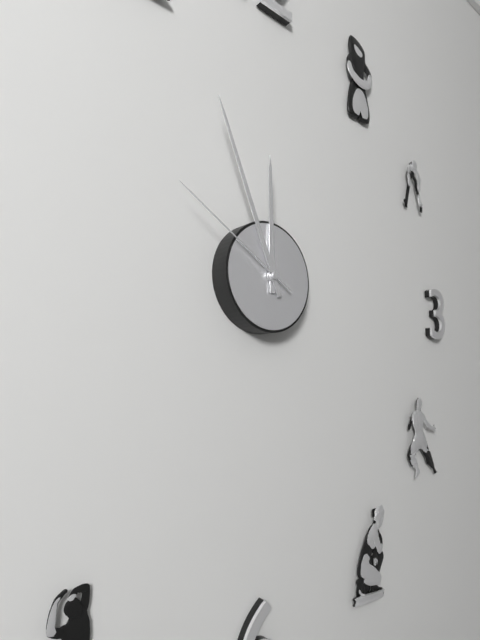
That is h=11 m=56 s=50
